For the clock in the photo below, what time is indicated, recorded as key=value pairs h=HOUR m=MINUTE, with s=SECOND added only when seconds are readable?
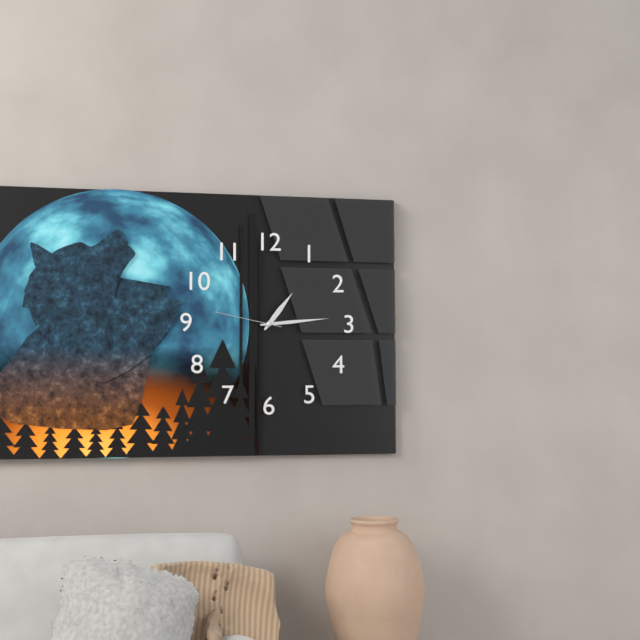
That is h=1 m=14 s=47
